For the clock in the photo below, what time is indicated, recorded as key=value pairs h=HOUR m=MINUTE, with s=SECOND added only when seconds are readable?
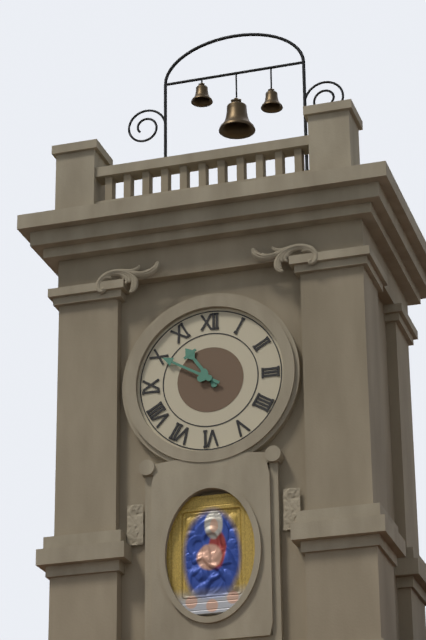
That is h=10 m=50
